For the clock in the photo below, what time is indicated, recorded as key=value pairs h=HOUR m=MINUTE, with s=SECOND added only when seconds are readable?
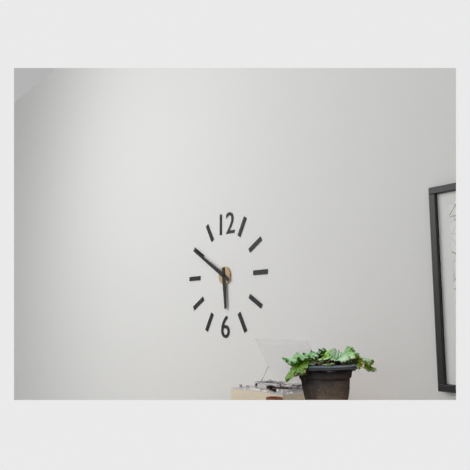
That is h=5 m=50
